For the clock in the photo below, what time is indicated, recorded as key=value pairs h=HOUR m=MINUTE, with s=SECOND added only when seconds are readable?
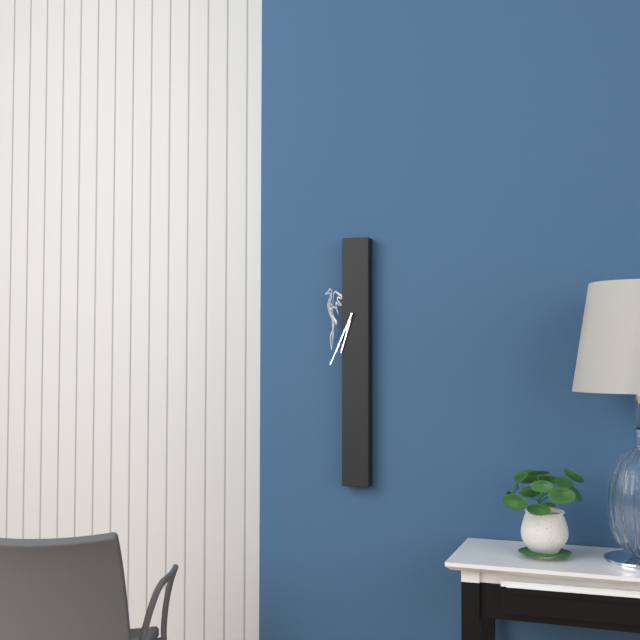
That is h=6 m=34
